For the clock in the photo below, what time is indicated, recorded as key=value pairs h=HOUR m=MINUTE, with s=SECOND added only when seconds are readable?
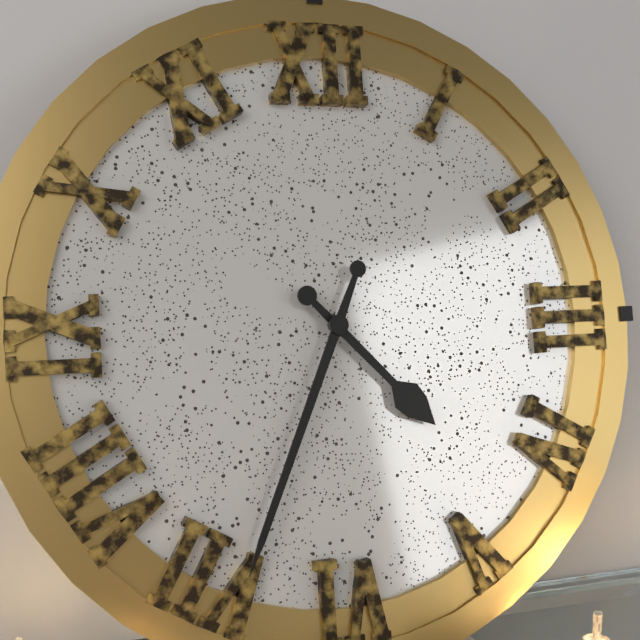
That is h=4 m=34
